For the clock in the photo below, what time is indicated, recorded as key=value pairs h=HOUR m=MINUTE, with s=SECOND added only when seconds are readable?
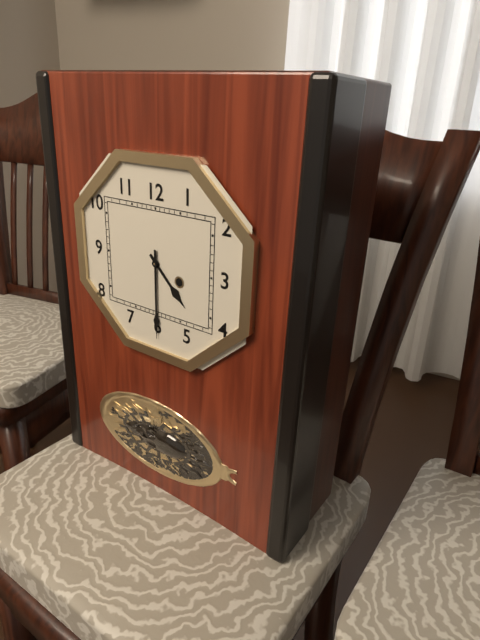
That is h=4 m=30
